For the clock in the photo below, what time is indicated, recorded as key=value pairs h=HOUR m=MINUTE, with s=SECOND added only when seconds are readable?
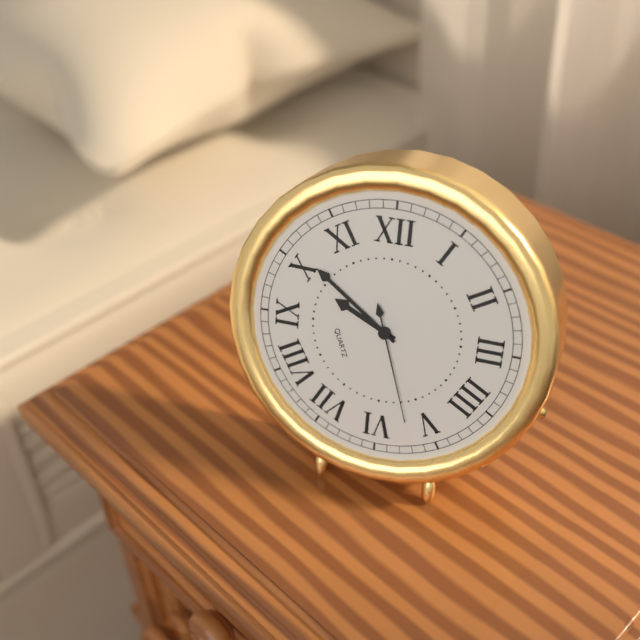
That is h=9 m=51 s=27
